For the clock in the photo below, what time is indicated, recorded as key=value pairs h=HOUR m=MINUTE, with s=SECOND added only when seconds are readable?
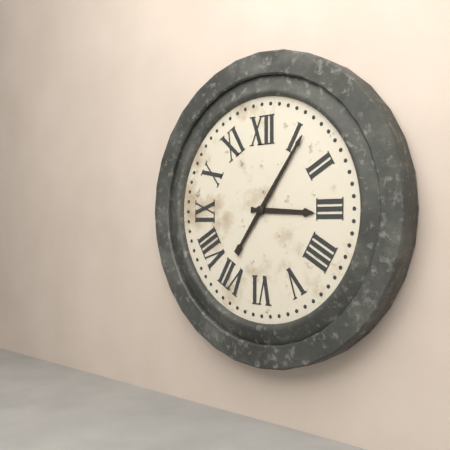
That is h=3 m=6
